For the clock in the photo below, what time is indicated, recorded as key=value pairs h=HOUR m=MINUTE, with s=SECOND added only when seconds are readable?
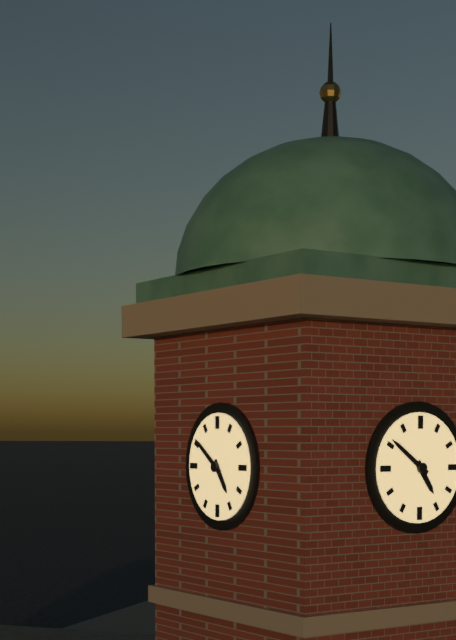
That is h=4 m=51
